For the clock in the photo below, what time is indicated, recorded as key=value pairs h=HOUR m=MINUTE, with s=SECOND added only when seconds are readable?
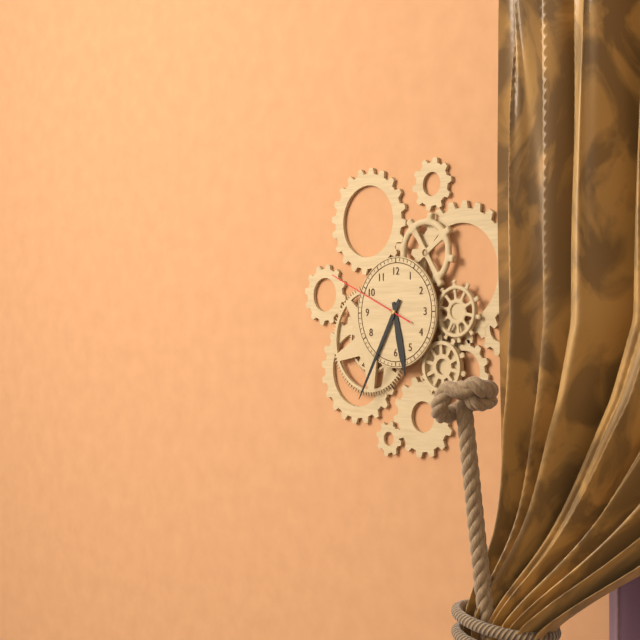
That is h=5 m=35 s=49
